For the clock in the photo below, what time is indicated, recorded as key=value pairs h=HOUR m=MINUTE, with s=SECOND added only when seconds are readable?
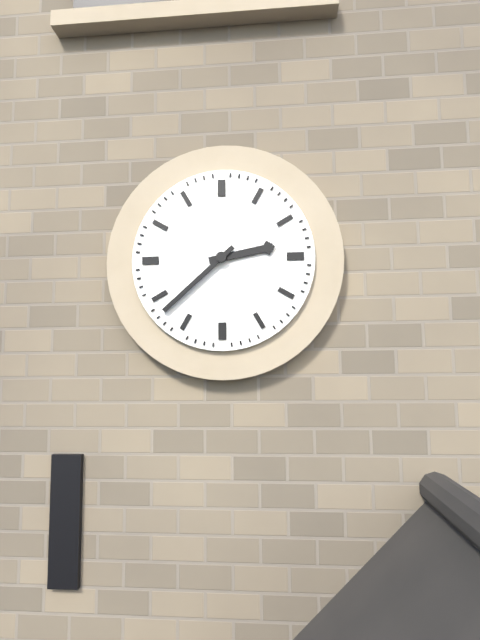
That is h=2 m=38
